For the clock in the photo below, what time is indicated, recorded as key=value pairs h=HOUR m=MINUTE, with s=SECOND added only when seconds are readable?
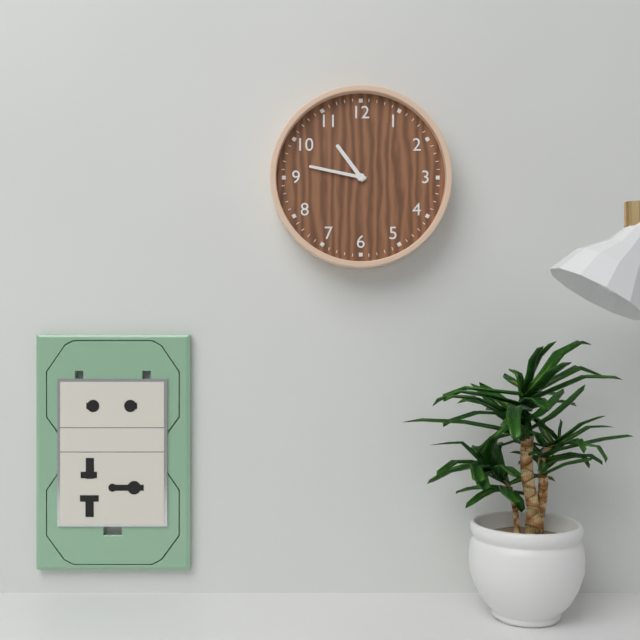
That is h=10 m=47
